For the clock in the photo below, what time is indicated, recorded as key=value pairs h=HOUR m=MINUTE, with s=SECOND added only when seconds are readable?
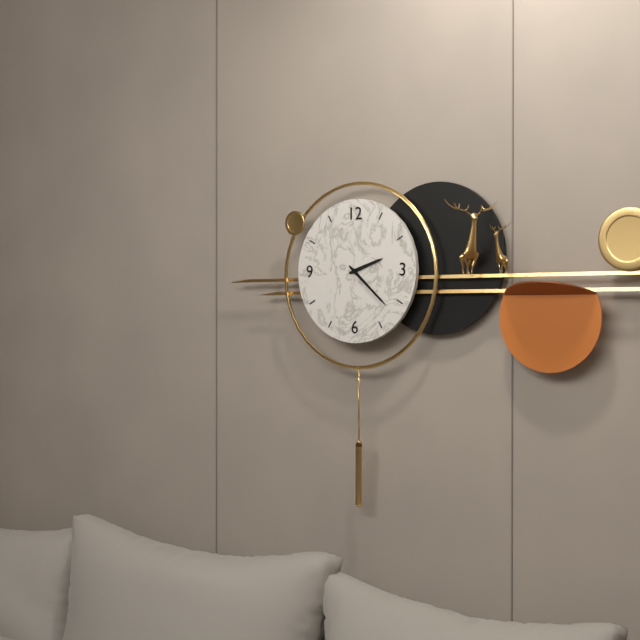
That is h=2 m=22
